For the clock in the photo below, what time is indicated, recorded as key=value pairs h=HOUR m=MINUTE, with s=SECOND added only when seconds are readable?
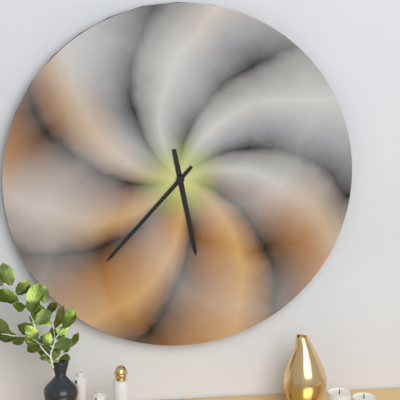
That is h=5 m=37
